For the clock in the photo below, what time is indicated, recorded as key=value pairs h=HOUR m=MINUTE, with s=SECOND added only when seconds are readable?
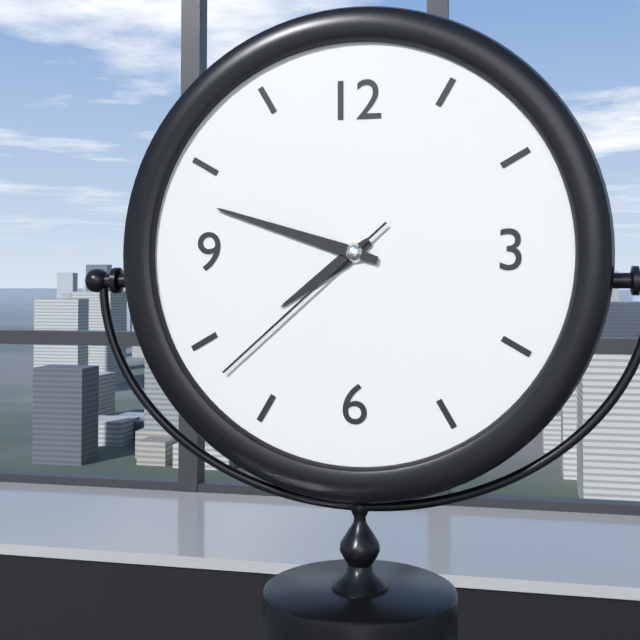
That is h=7 m=48 s=38
